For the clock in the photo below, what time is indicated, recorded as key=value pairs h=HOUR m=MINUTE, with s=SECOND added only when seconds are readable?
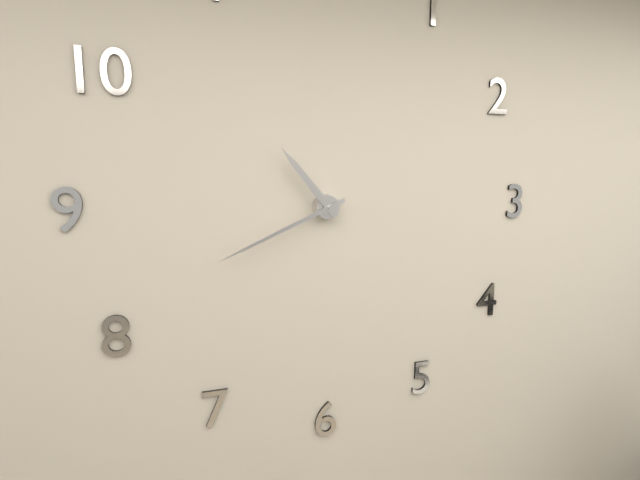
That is h=10 m=41
